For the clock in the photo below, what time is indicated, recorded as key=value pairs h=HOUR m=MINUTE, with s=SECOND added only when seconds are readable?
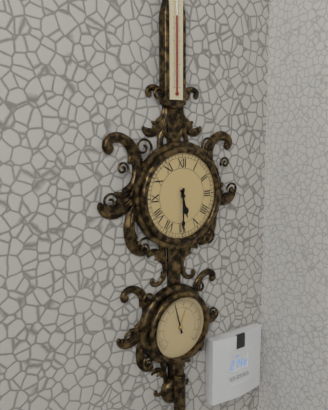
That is h=5 m=30
